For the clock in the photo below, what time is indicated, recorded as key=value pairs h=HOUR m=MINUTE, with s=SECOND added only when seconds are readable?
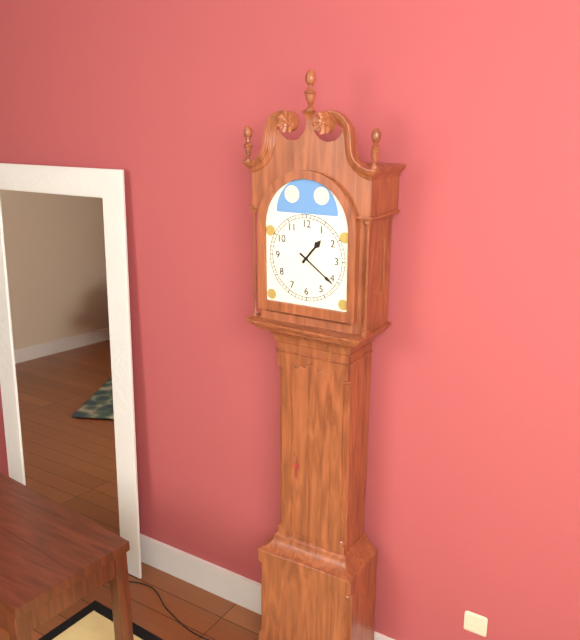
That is h=1 m=21
